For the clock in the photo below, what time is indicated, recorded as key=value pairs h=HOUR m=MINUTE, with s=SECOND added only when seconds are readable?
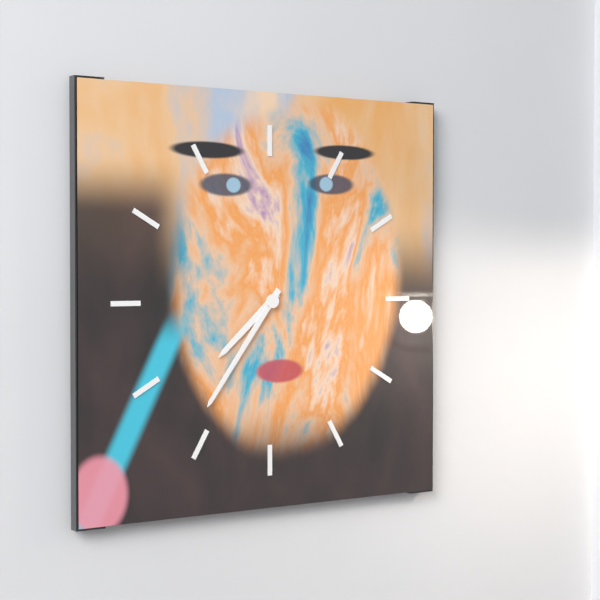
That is h=7 m=36
